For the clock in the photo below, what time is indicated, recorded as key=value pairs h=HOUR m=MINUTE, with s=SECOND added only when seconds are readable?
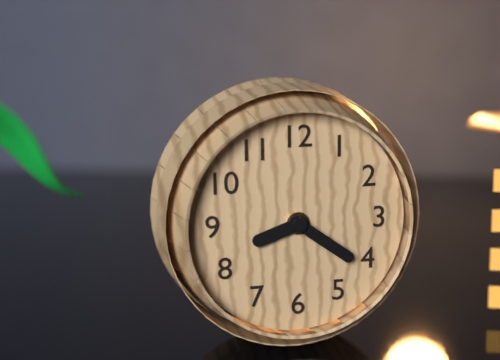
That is h=8 m=21
